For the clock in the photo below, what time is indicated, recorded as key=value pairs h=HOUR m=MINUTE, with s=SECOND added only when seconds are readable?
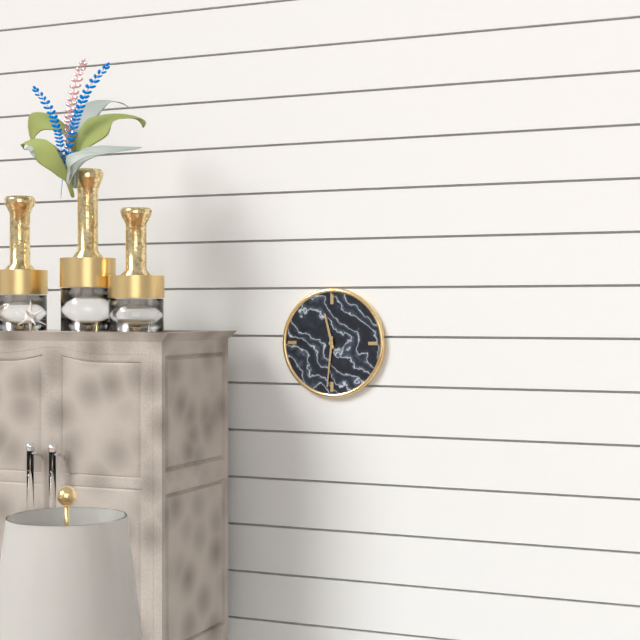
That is h=11 m=31
